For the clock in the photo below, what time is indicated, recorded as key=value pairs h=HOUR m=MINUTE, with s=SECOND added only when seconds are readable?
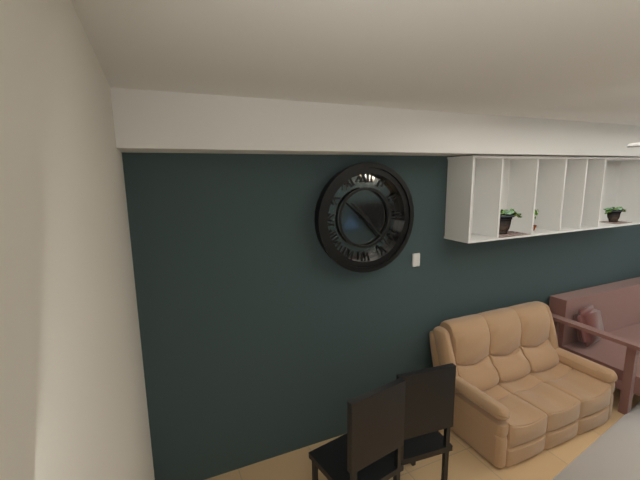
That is h=10 m=23
